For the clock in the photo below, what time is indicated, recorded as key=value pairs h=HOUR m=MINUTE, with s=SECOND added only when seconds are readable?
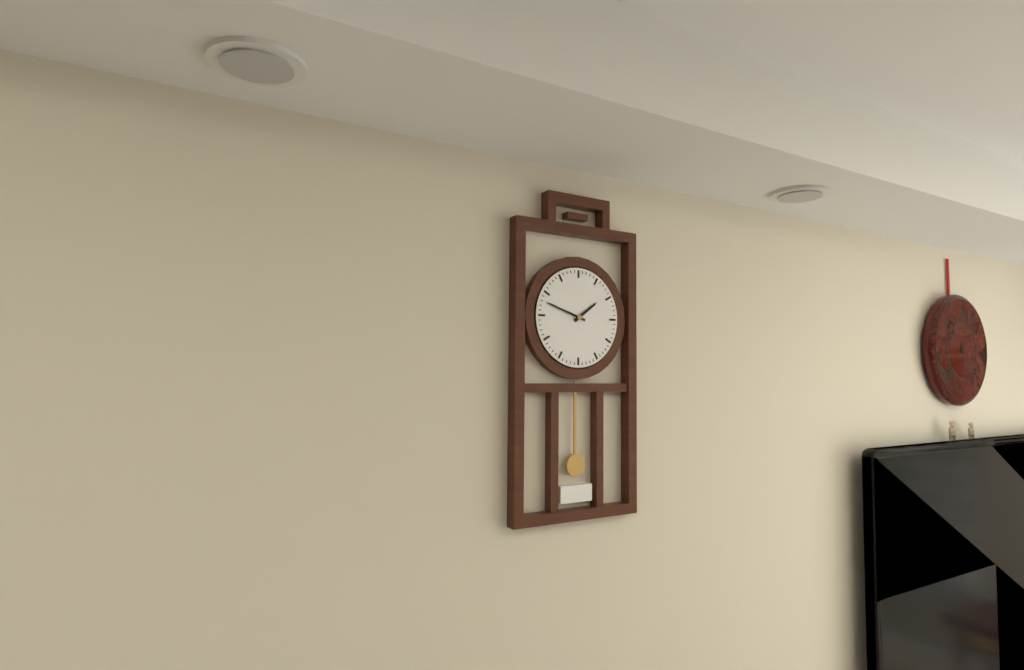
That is h=1 m=48
